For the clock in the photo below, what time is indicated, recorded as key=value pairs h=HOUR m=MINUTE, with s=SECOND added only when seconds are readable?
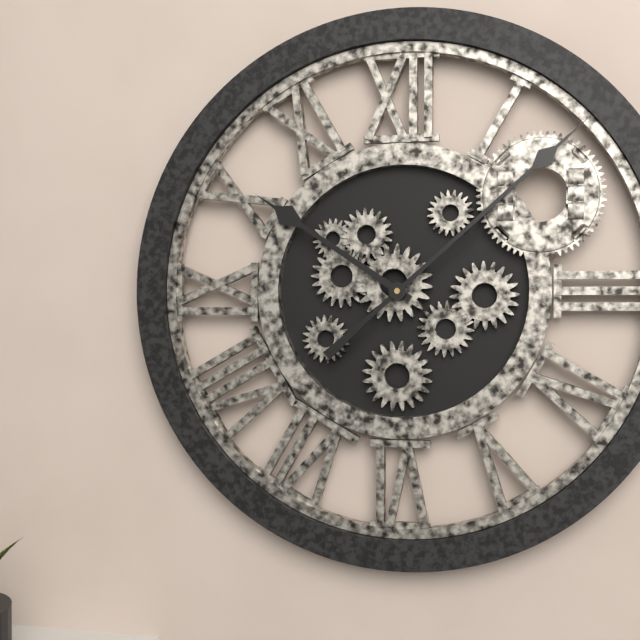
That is h=10 m=8
